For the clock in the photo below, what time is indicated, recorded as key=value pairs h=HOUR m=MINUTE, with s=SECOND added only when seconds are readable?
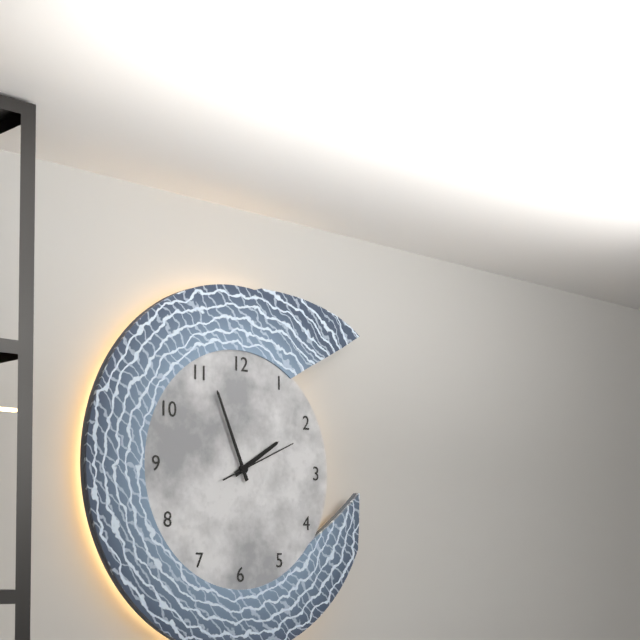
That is h=1 m=56 s=11
